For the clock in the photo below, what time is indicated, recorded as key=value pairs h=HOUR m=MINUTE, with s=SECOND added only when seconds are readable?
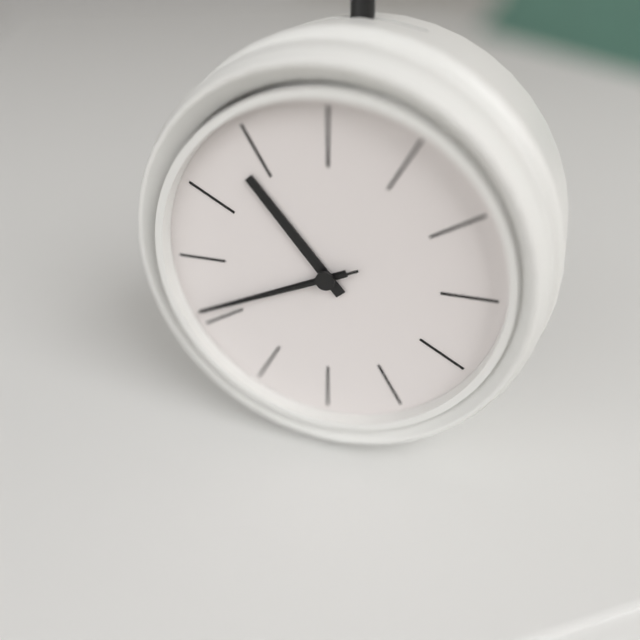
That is h=10 m=41 s=41
